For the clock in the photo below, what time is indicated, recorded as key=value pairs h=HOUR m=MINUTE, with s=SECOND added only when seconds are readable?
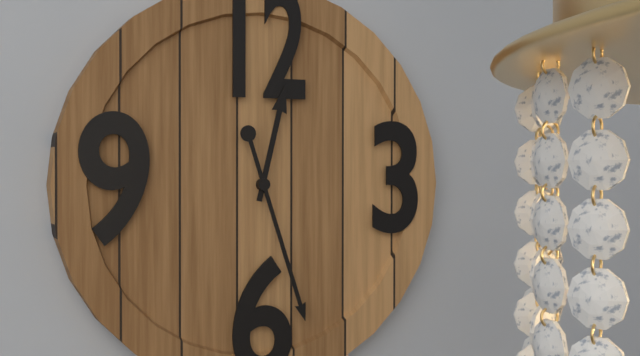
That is h=12 m=27
